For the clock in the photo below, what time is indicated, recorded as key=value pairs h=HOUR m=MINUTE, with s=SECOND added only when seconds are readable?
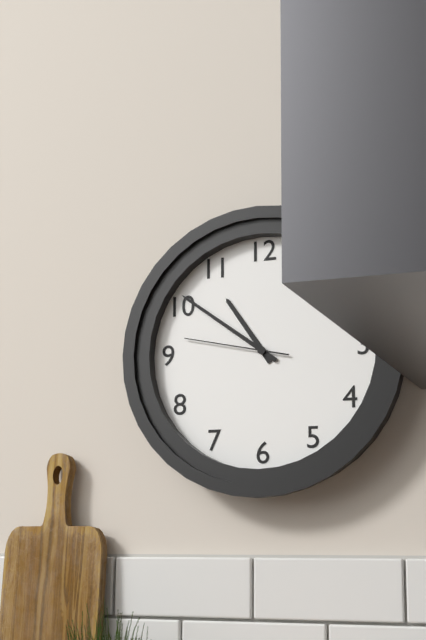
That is h=10 m=51 s=47
